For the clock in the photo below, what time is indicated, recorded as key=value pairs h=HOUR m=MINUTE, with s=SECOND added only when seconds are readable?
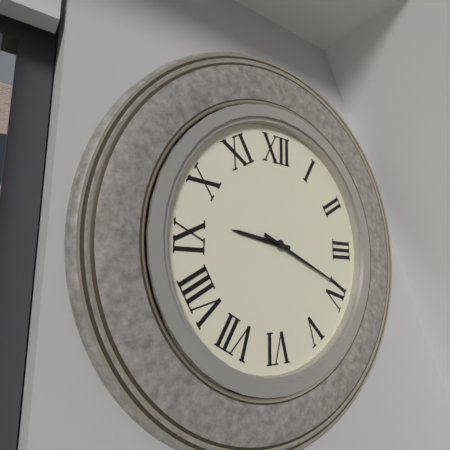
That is h=9 m=19
